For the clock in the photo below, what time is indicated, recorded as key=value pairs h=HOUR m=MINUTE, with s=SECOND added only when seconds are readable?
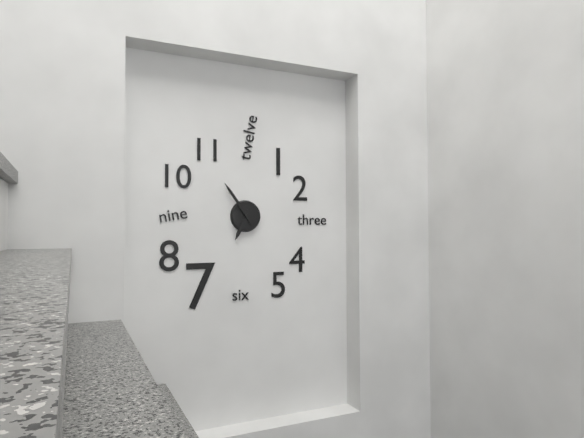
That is h=6 m=54
